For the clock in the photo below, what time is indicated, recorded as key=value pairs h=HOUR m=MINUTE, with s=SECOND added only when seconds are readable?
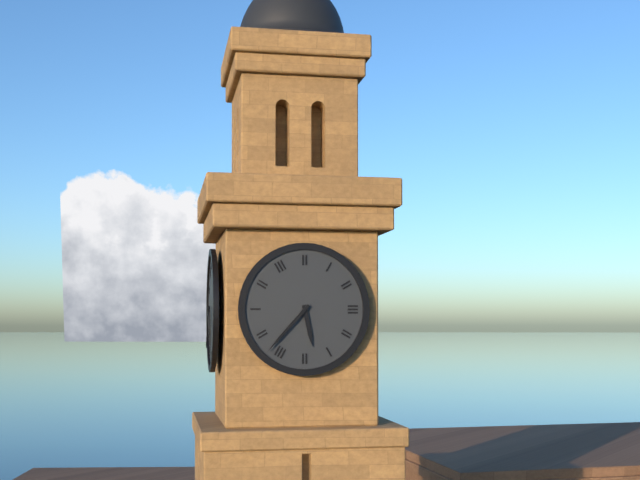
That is h=5 m=37
